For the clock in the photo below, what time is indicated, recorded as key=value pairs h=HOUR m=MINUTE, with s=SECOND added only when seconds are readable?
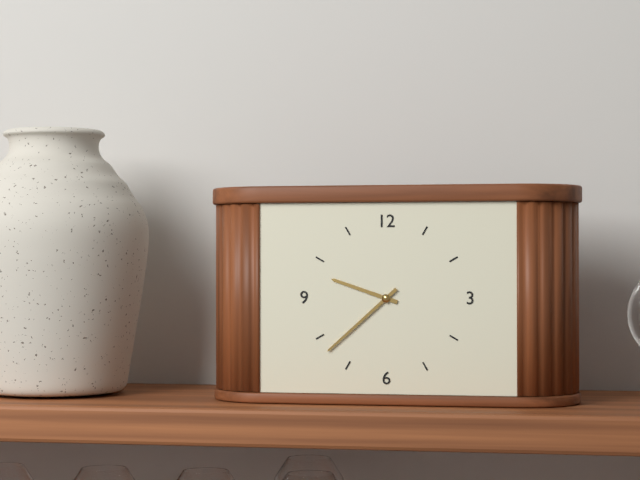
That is h=9 m=38
